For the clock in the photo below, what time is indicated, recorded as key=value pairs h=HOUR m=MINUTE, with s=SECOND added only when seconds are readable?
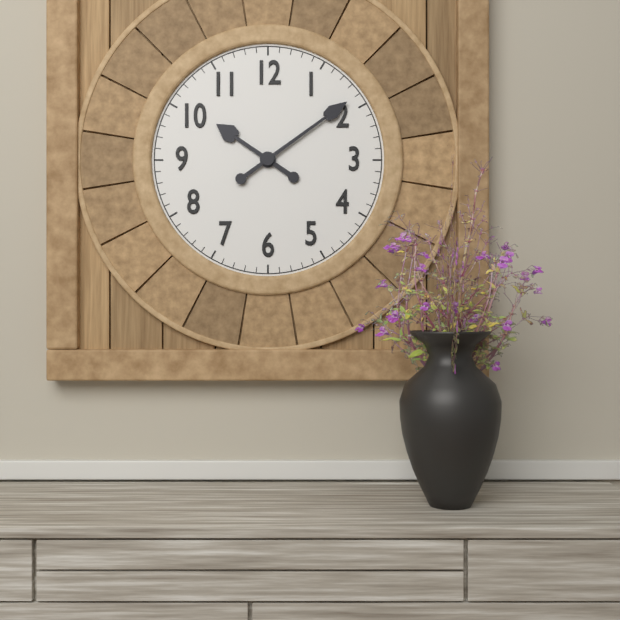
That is h=10 m=9
